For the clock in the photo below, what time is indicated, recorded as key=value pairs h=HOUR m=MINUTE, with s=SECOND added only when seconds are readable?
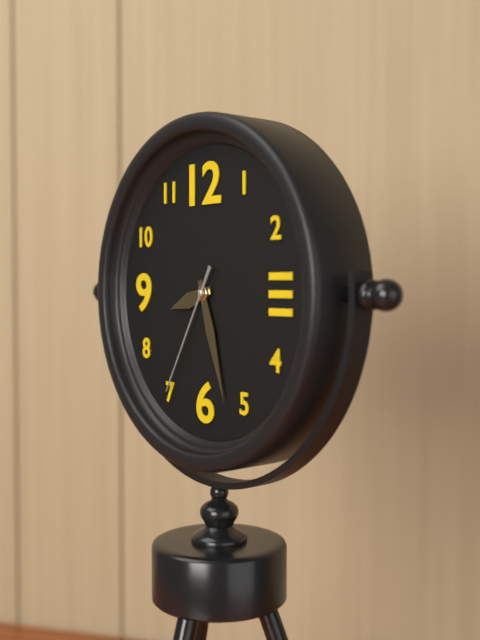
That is h=8 m=27 s=35
